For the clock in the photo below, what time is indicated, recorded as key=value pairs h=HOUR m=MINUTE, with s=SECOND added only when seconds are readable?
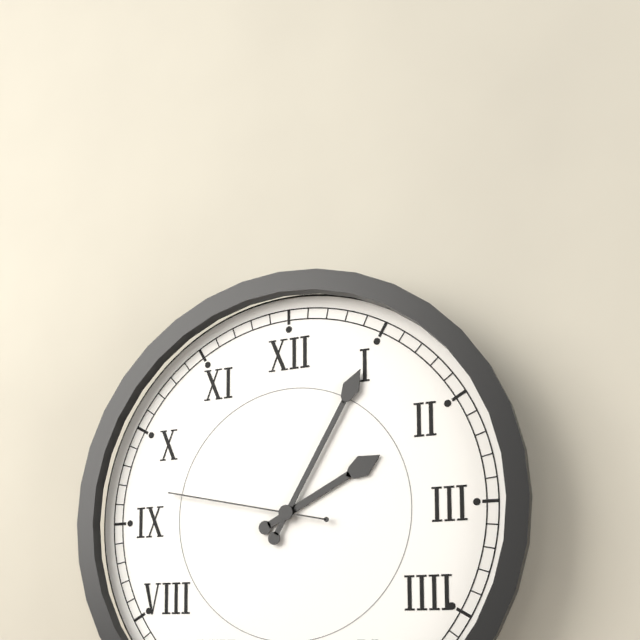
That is h=2 m=5 s=47
